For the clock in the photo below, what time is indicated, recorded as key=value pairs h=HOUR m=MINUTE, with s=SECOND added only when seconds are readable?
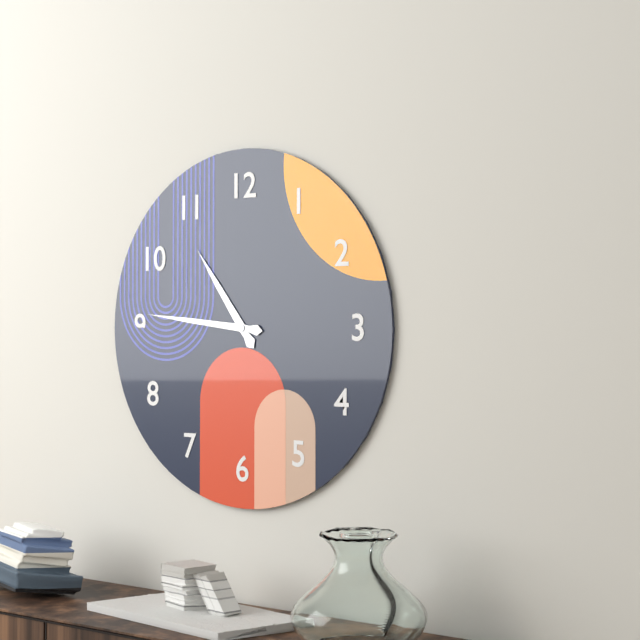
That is h=10 m=46
